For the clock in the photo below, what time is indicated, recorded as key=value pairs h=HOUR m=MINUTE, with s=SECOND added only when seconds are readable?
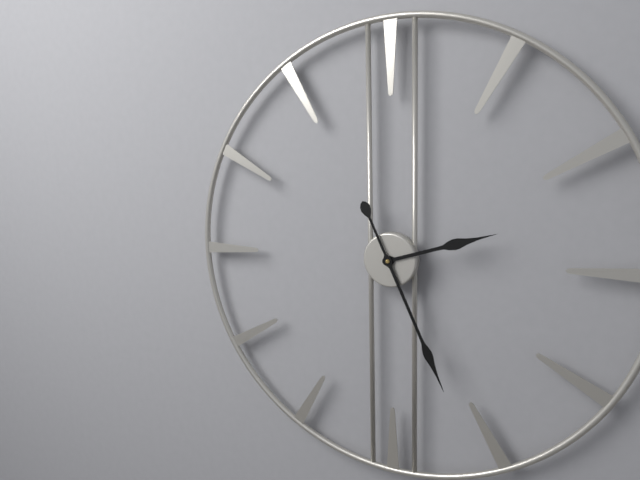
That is h=2 m=26
